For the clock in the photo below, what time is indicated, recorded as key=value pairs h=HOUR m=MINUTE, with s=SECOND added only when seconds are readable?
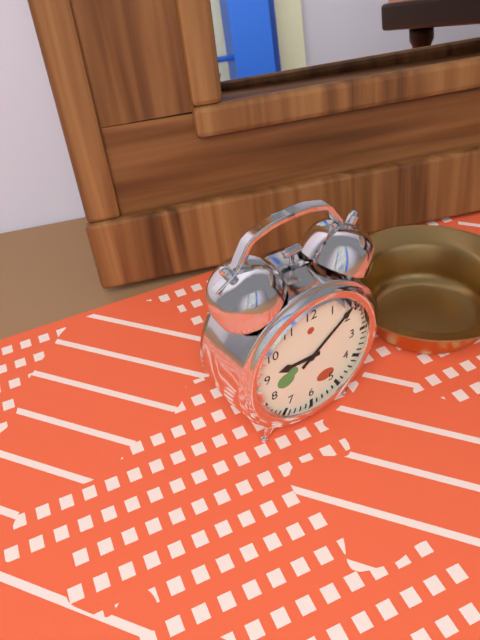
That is h=9 m=9
